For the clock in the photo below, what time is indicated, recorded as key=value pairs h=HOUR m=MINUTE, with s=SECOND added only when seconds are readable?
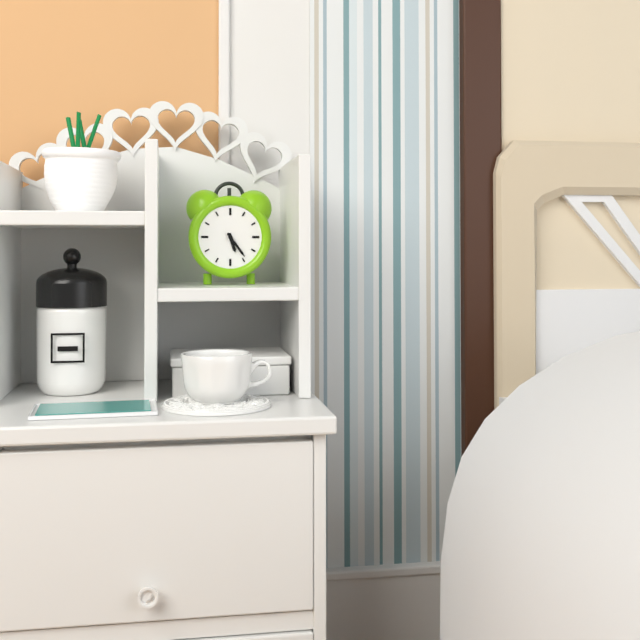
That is h=5 m=24
